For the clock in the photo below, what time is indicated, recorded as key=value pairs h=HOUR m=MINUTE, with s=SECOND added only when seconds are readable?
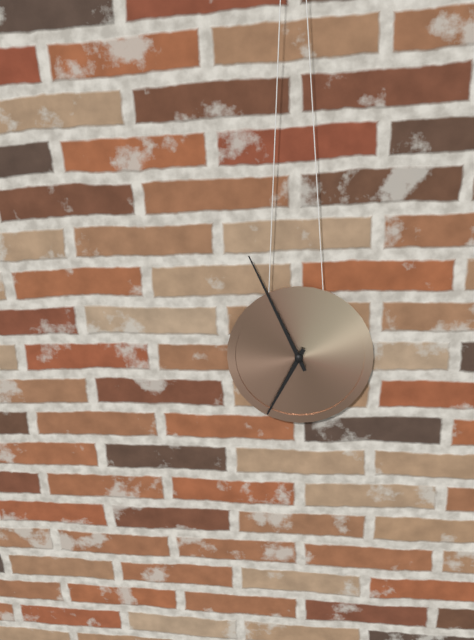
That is h=6 m=56
